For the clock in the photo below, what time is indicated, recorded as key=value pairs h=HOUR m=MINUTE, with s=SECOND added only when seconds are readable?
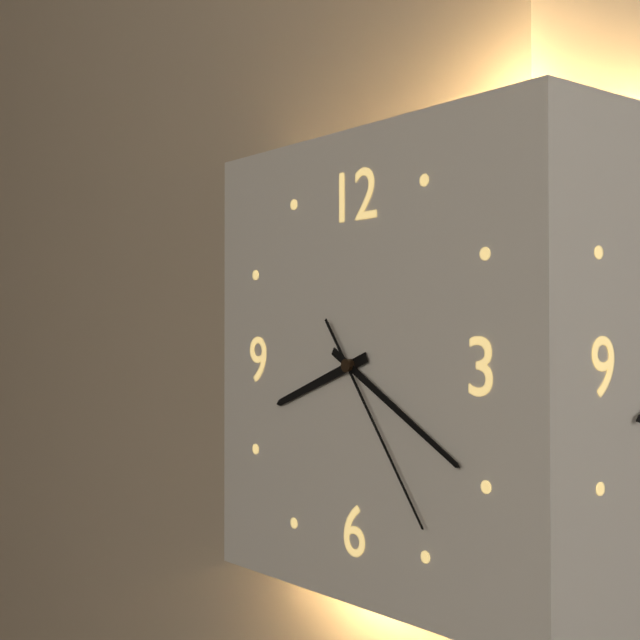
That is h=8 m=20 s=24
